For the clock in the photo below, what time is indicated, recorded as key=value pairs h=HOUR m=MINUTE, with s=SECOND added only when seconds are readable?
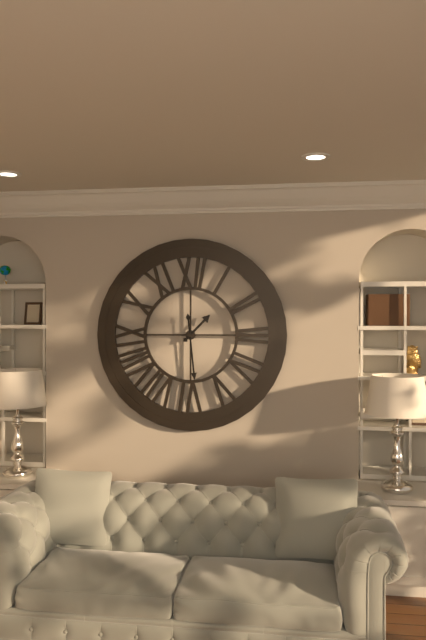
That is h=1 m=29
